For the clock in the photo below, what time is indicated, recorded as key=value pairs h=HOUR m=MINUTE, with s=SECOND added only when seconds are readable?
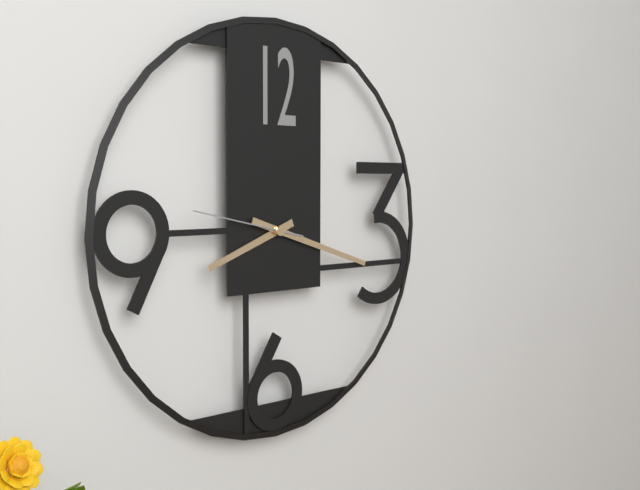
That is h=8 m=18 s=47
